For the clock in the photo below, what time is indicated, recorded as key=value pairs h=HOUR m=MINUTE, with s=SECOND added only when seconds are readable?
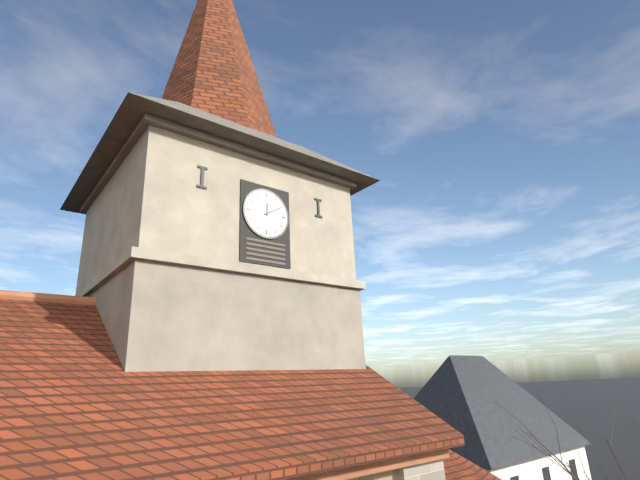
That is h=12 m=10
